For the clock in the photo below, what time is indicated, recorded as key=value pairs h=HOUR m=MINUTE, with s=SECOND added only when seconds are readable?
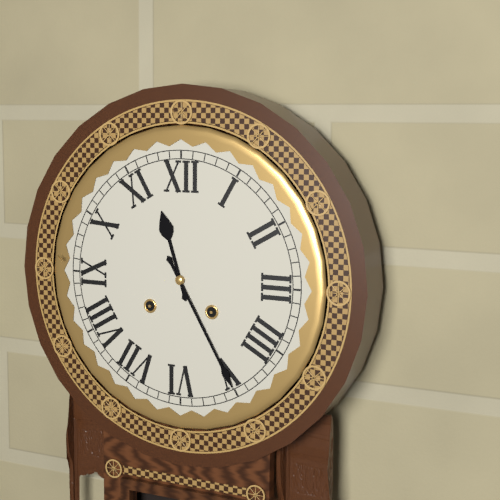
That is h=11 m=25
